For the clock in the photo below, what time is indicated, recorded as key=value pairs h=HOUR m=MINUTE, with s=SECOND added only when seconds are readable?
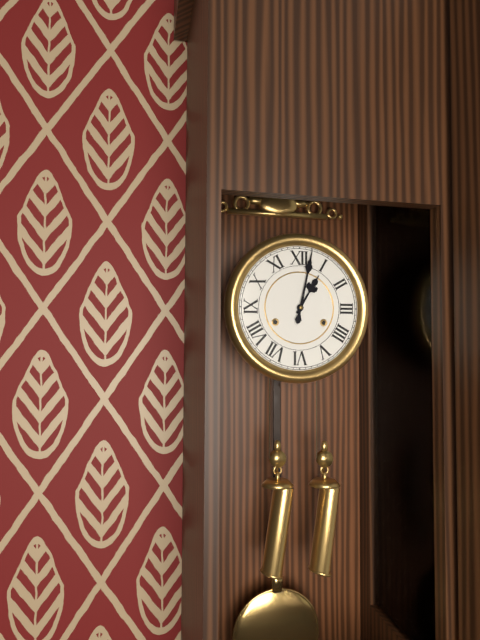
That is h=1 m=2
